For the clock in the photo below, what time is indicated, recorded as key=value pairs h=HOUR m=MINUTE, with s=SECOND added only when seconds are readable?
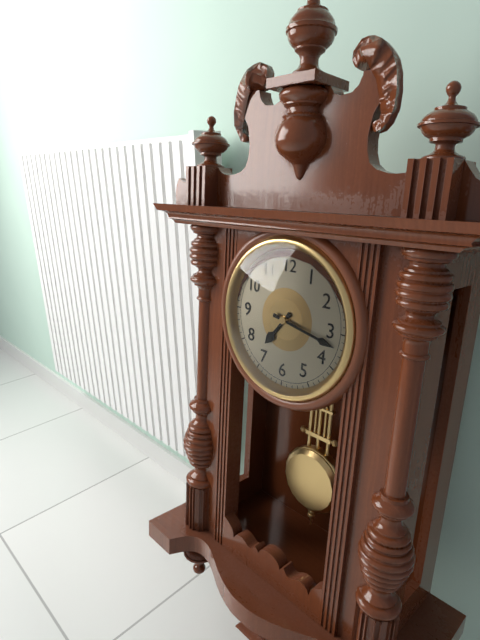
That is h=7 m=17
